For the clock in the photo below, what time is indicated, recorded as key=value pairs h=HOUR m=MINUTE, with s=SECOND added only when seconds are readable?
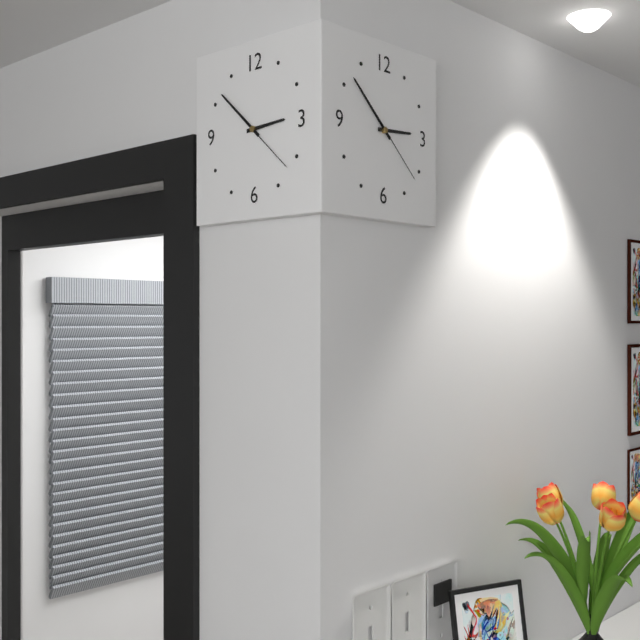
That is h=2 m=52 s=22
